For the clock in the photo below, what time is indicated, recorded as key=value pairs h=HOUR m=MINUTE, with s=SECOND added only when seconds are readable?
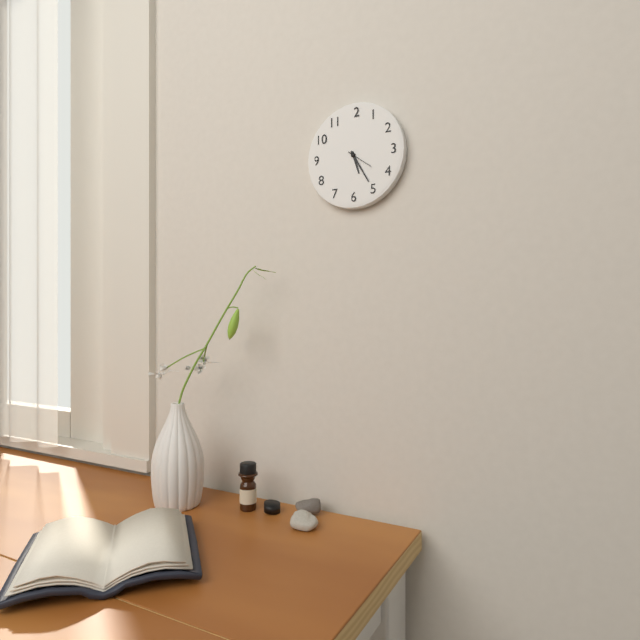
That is h=5 m=25
